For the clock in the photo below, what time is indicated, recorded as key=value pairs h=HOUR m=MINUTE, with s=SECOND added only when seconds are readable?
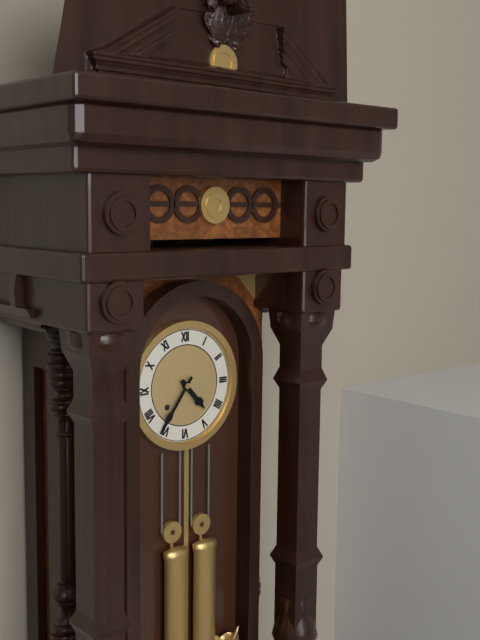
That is h=4 m=36
